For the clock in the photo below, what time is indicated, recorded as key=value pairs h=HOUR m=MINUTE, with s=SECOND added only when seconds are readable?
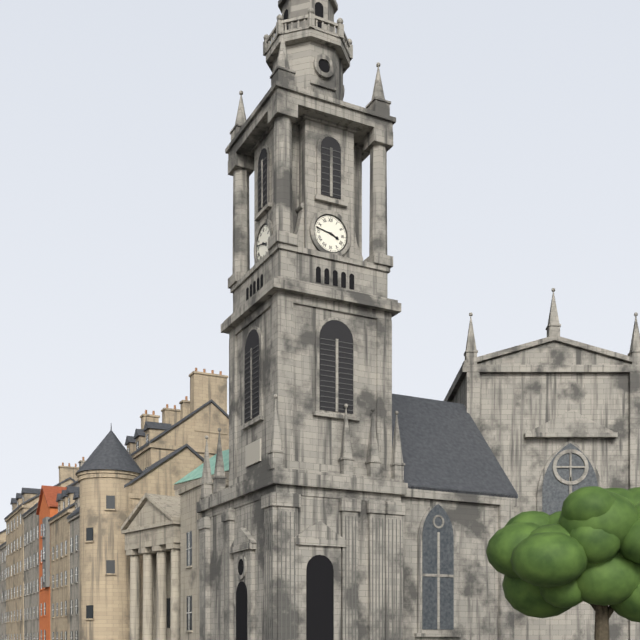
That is h=3 m=47
